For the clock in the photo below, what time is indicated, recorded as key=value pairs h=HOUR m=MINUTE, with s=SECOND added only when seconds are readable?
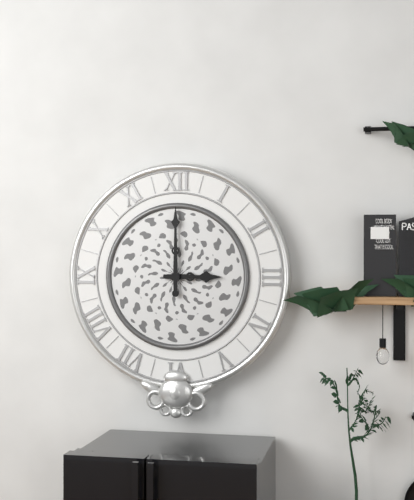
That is h=3 m=0
